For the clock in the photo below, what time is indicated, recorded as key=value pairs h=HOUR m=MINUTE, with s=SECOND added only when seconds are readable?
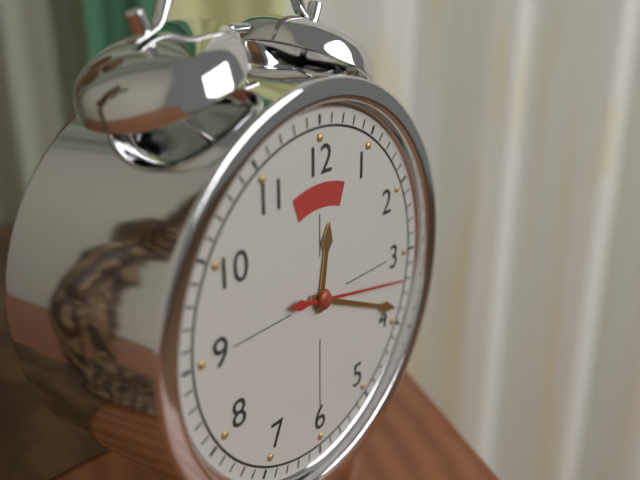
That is h=12 m=19 s=17
